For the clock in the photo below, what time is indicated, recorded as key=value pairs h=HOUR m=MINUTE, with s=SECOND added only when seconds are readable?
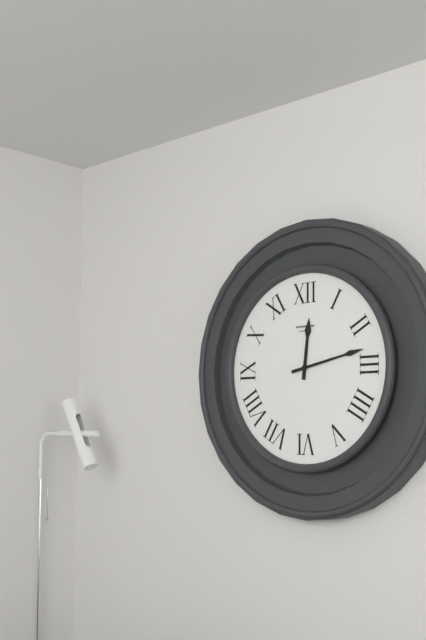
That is h=12 m=13
